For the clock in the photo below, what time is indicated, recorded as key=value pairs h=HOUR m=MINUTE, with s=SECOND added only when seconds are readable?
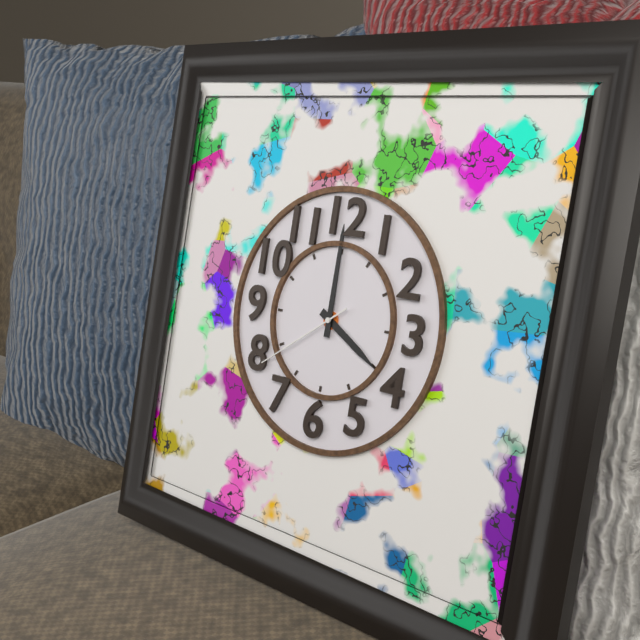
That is h=4 m=0 s=39
